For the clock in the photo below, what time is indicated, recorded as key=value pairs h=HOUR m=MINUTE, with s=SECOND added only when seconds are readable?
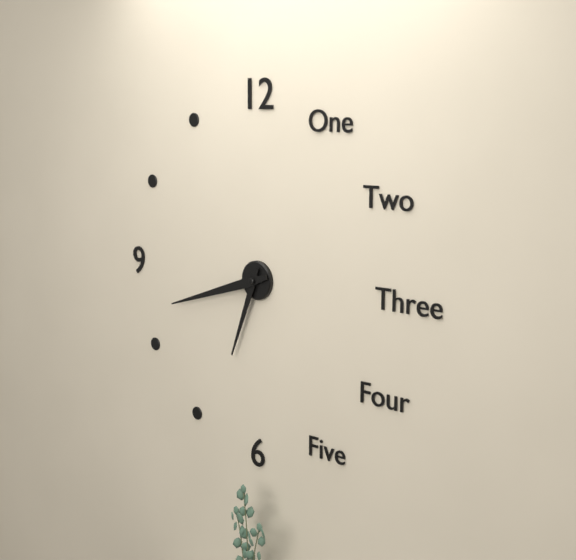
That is h=6 m=42
